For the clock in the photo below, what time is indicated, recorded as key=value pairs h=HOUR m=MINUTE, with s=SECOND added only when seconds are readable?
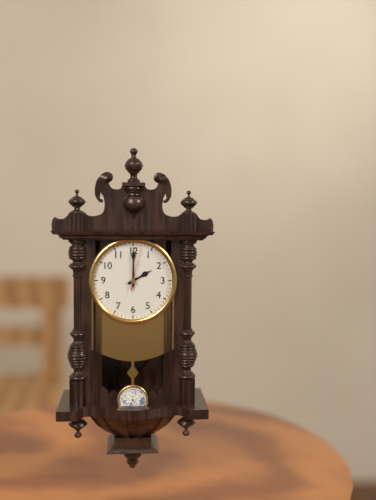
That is h=2 m=0
